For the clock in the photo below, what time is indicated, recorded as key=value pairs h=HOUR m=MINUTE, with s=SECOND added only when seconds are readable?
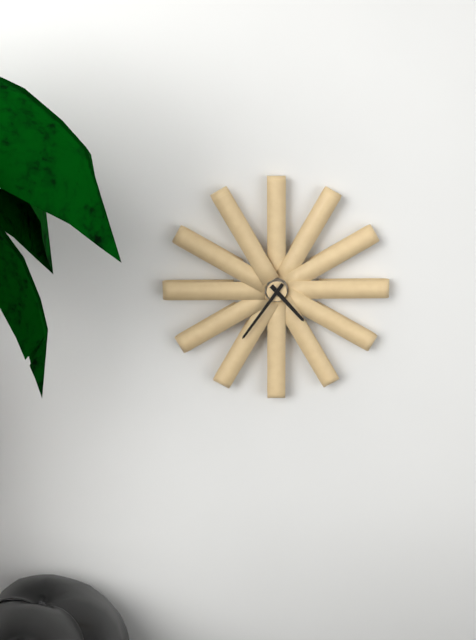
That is h=4 m=36
